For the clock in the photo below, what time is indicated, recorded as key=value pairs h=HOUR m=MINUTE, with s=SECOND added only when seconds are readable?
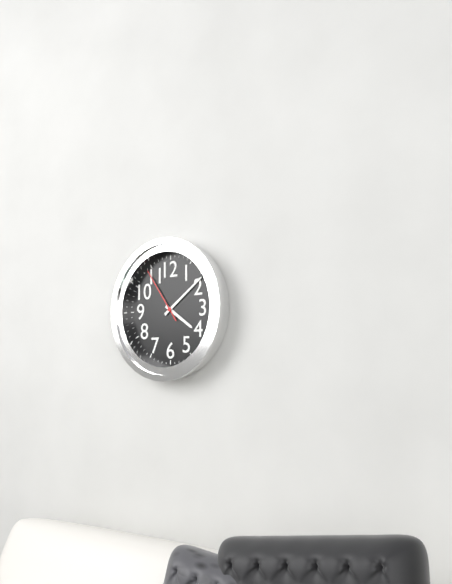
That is h=4 m=9 s=54
